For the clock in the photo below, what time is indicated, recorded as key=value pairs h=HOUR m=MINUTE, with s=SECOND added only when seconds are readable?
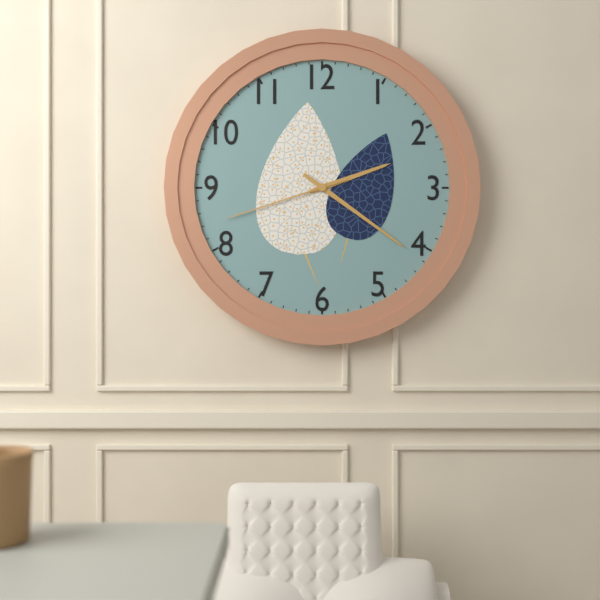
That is h=2 m=21 s=42
